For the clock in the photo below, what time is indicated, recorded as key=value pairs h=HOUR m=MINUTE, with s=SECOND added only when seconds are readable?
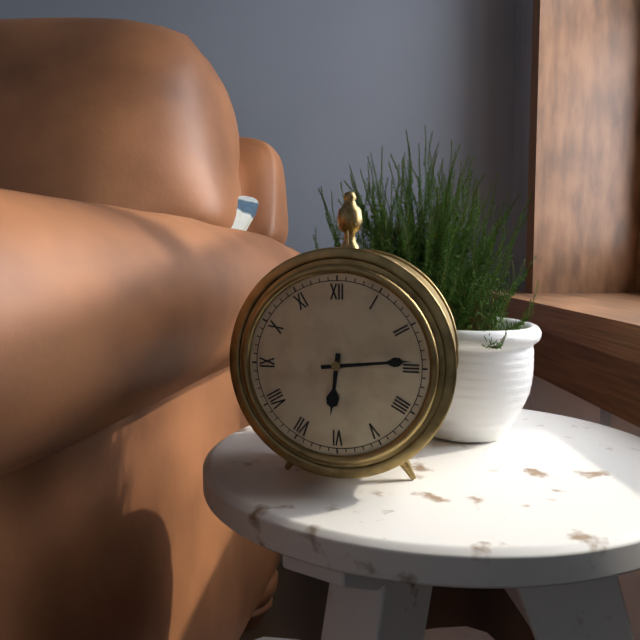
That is h=6 m=14
